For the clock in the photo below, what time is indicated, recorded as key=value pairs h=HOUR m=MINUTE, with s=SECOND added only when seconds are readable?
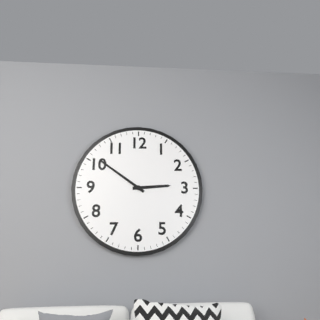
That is h=2 m=51
